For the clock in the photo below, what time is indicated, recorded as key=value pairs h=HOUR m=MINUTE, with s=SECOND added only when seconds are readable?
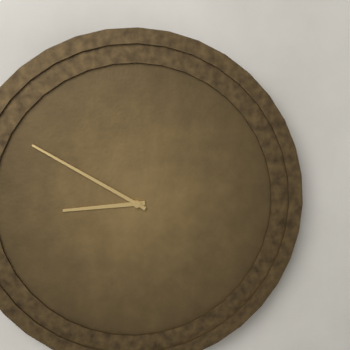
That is h=8 m=50
